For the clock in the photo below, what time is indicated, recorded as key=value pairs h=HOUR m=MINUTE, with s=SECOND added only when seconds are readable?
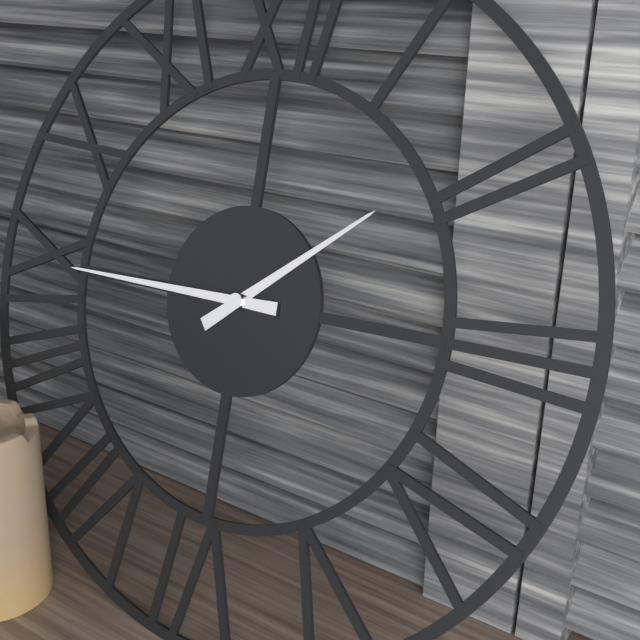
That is h=1 m=45
